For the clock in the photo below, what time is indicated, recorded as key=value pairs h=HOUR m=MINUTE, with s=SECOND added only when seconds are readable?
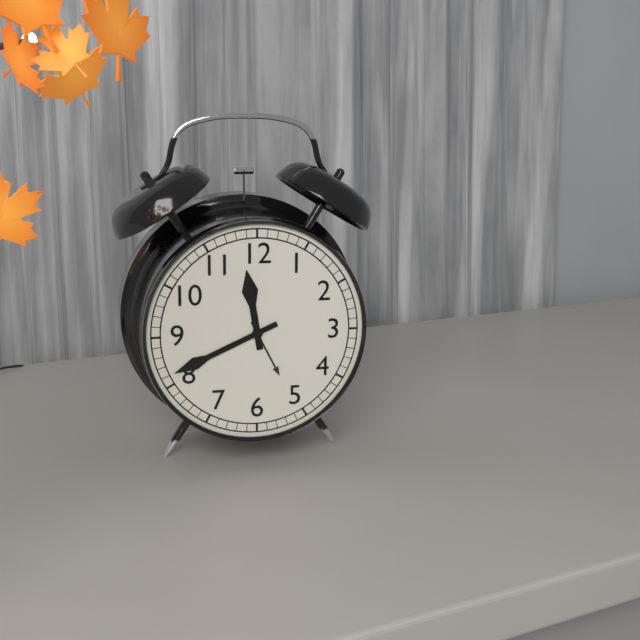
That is h=11 m=41
